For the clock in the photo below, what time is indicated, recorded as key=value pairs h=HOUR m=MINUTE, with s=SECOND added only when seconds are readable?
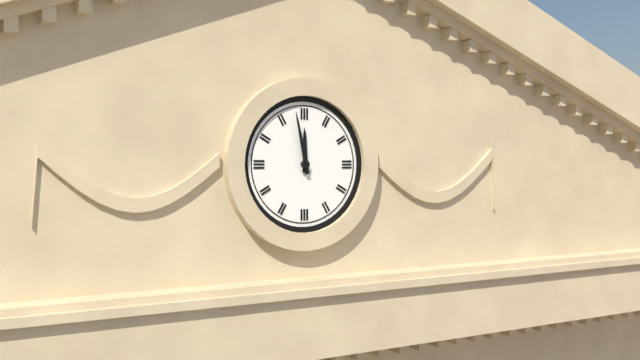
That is h=11 m=58
